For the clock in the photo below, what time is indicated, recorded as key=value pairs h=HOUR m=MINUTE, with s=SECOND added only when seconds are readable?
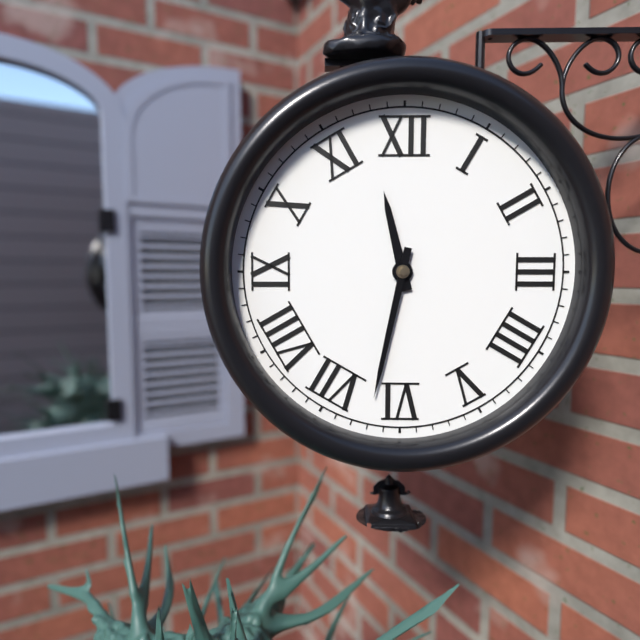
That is h=11 m=32
